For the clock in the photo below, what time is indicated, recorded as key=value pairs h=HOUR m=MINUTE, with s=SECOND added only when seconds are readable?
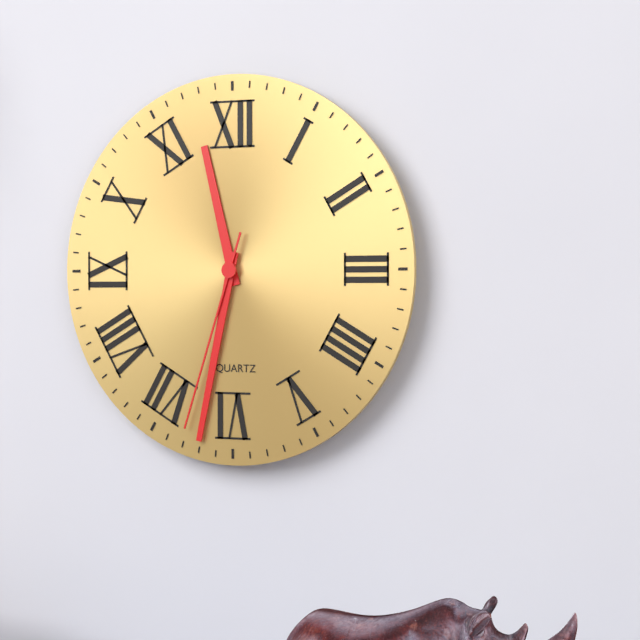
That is h=11 m=32 s=33
